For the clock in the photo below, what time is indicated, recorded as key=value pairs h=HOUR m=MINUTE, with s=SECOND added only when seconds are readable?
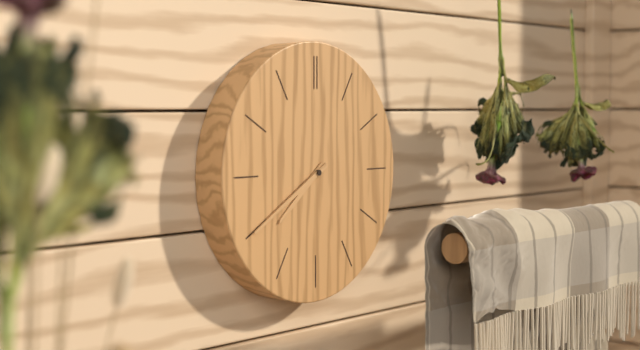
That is h=7 m=40
